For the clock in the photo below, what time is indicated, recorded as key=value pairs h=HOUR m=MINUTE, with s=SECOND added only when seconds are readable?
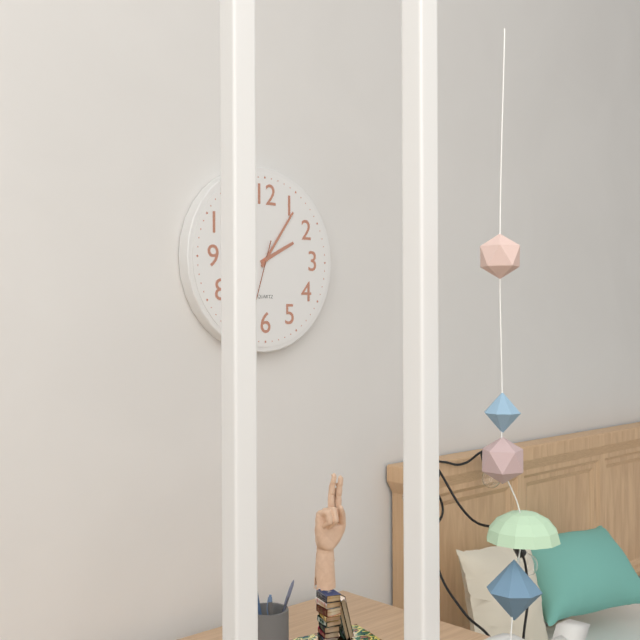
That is h=2 m=6
